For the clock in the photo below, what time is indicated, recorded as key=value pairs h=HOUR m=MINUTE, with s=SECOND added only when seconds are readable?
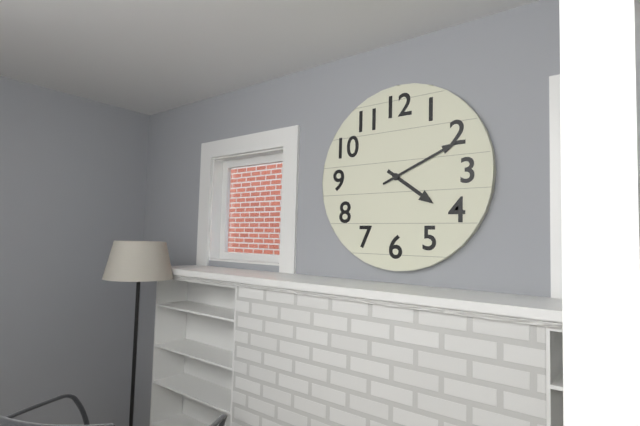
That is h=4 m=11
